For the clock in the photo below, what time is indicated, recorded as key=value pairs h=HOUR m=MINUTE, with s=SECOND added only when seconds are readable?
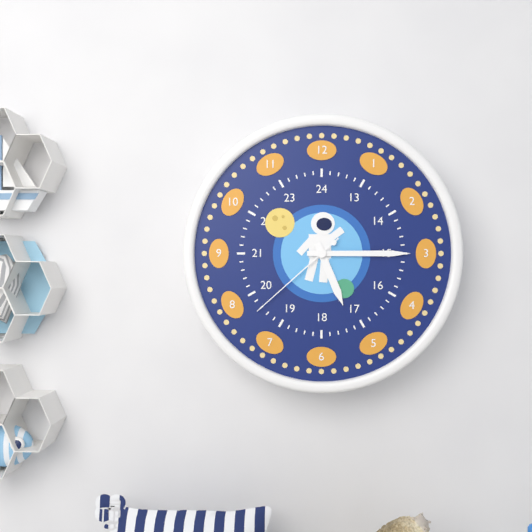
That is h=5 m=15 s=38
